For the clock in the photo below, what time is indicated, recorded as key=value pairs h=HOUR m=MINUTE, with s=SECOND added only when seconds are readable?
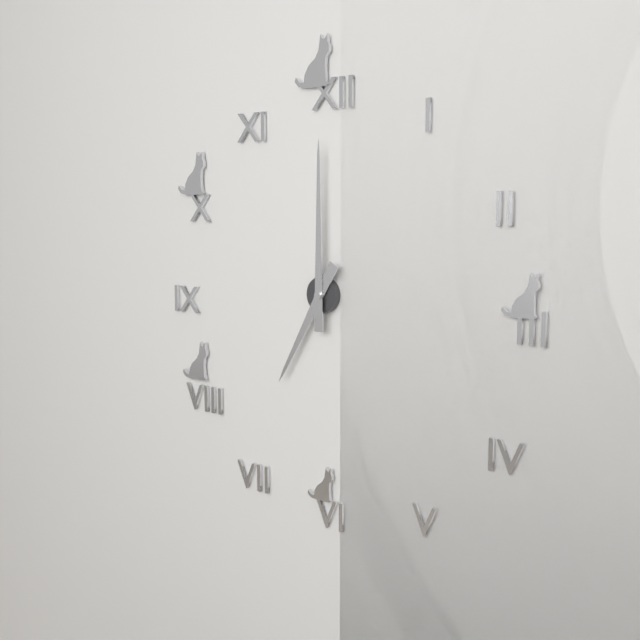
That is h=7 m=0
